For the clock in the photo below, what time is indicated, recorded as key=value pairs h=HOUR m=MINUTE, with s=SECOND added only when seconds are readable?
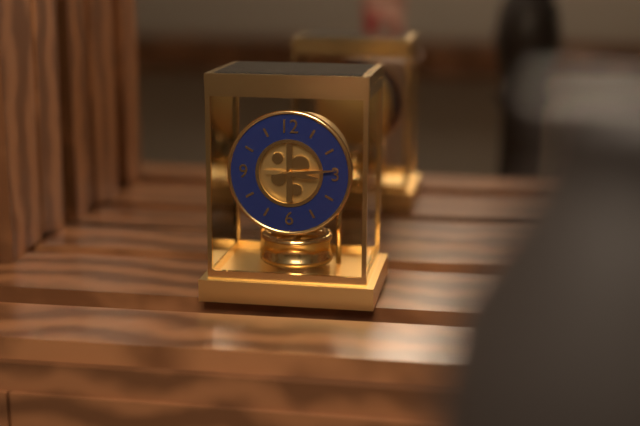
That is h=3 m=14
